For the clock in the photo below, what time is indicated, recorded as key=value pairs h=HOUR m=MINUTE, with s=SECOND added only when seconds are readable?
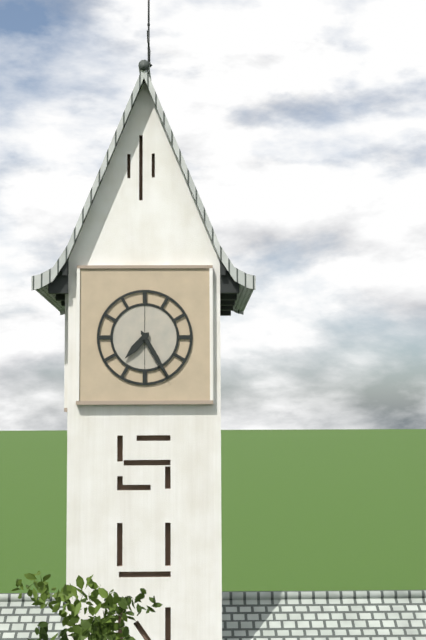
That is h=7 m=25
